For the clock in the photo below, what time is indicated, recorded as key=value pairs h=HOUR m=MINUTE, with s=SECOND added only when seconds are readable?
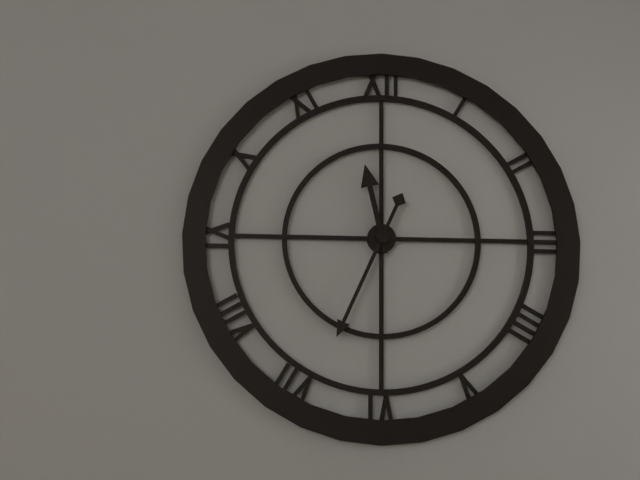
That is h=11 m=34
